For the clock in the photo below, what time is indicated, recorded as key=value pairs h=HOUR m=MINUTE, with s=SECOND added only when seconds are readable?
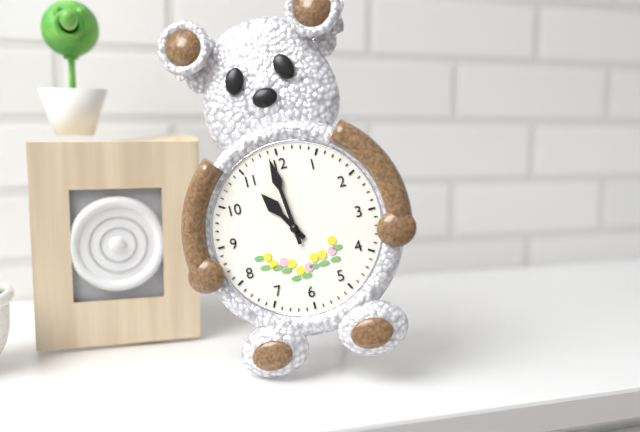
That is h=10 m=59
